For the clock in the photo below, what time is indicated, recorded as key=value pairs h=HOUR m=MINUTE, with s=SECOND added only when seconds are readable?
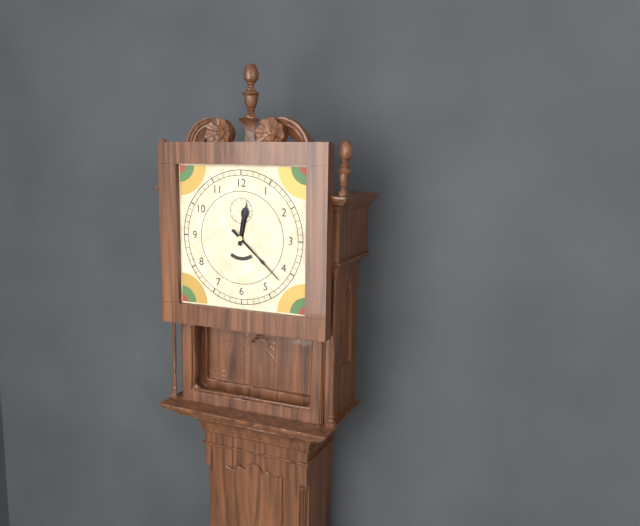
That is h=12 m=22
